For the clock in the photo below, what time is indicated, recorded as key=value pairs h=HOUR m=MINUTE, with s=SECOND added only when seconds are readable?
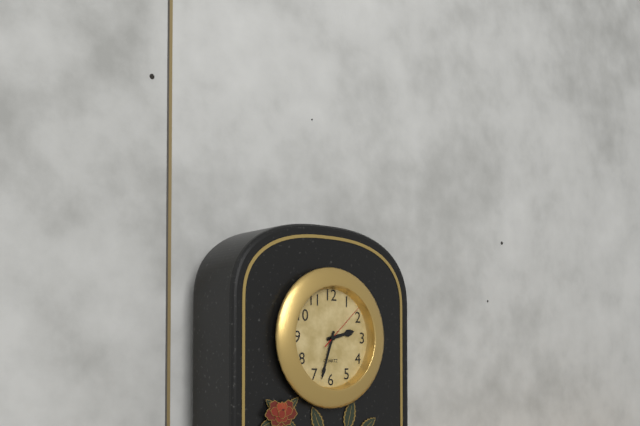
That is h=2 m=33 s=8
